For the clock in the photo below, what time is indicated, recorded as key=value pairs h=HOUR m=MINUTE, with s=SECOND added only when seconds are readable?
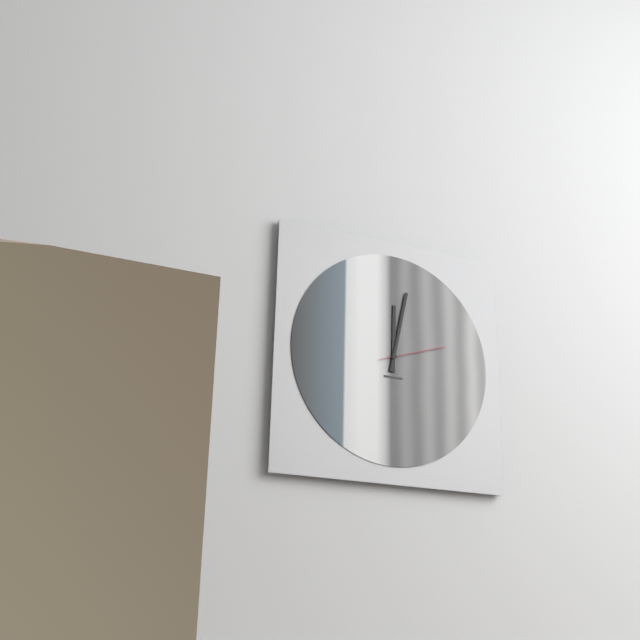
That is h=12 m=2 s=12
